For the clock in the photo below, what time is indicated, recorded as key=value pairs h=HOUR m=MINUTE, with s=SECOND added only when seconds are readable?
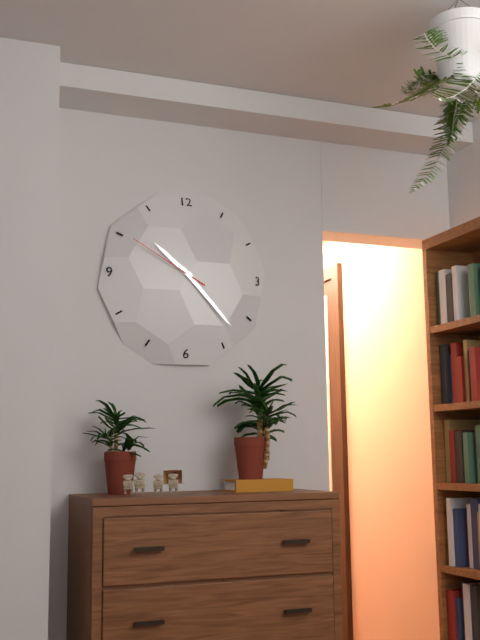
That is h=10 m=23 s=50
